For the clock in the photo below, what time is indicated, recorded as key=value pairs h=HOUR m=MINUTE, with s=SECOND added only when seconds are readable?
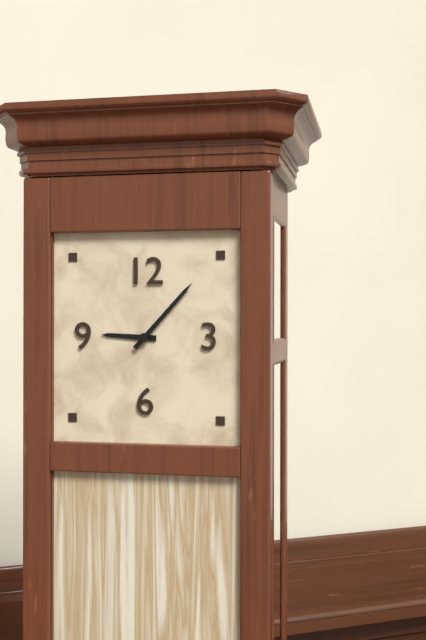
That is h=9 m=7
